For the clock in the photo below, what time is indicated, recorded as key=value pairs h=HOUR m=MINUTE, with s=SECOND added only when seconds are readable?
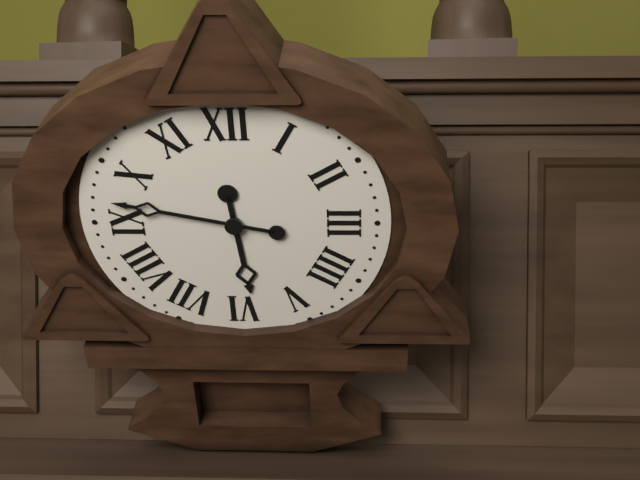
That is h=5 m=47
